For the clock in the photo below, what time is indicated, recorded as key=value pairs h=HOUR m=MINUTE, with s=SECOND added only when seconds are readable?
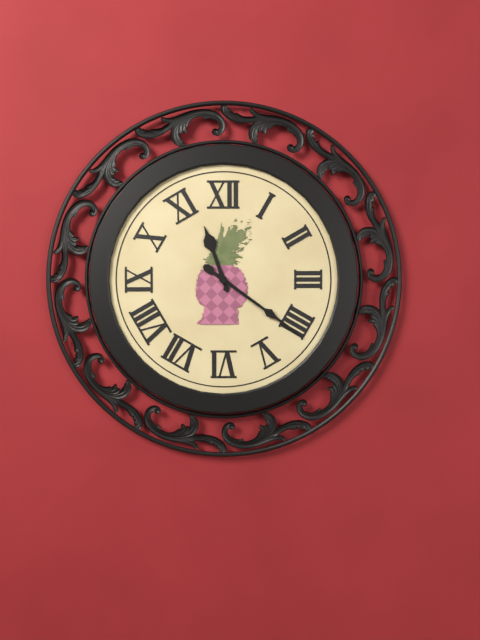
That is h=11 m=21
